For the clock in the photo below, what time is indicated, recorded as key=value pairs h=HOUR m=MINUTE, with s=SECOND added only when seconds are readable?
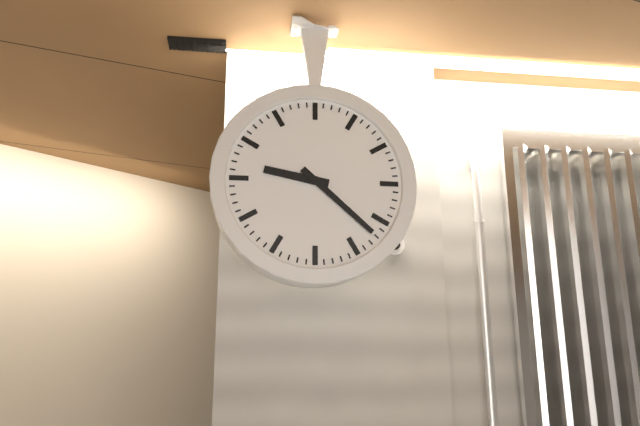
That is h=9 m=22
